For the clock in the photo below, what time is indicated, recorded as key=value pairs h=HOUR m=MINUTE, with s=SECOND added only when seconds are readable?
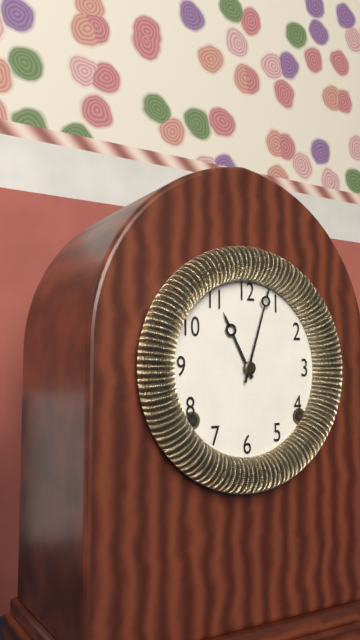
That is h=11 m=3
